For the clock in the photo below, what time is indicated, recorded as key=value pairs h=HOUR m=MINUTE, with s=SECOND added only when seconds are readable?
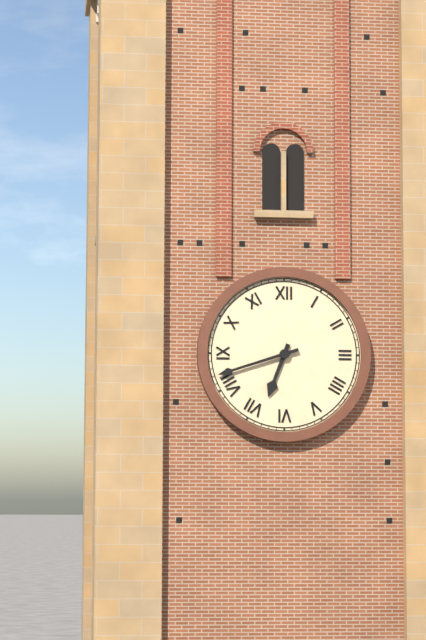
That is h=6 m=42
